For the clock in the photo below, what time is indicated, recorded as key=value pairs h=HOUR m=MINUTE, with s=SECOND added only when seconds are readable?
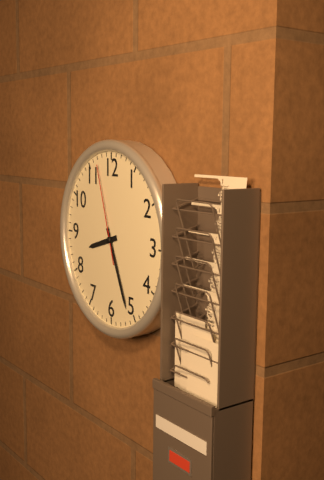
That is h=8 m=26 s=57
